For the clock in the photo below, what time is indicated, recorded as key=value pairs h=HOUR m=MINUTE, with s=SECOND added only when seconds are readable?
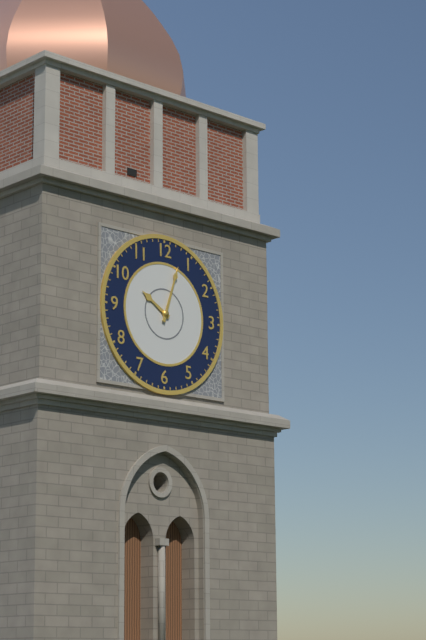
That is h=10 m=3
